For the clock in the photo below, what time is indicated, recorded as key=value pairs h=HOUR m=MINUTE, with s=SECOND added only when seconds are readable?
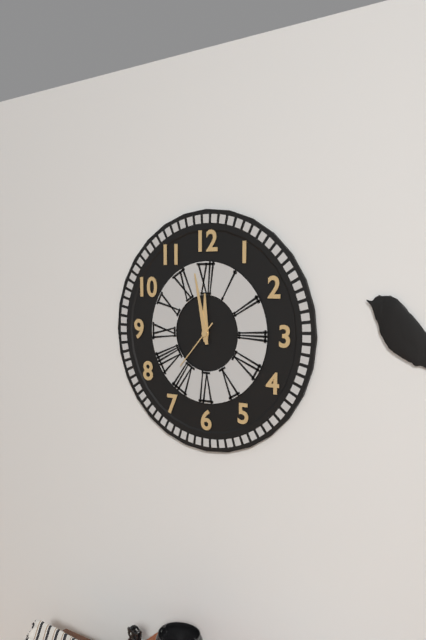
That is h=11 m=58 s=37
